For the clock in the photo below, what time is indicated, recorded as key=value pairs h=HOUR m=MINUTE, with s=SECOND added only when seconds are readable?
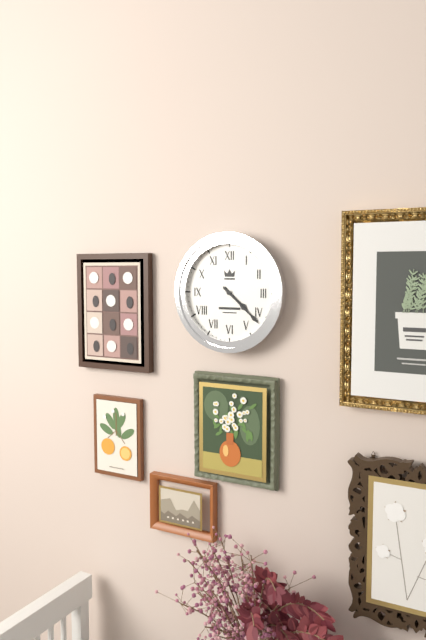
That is h=4 m=22
